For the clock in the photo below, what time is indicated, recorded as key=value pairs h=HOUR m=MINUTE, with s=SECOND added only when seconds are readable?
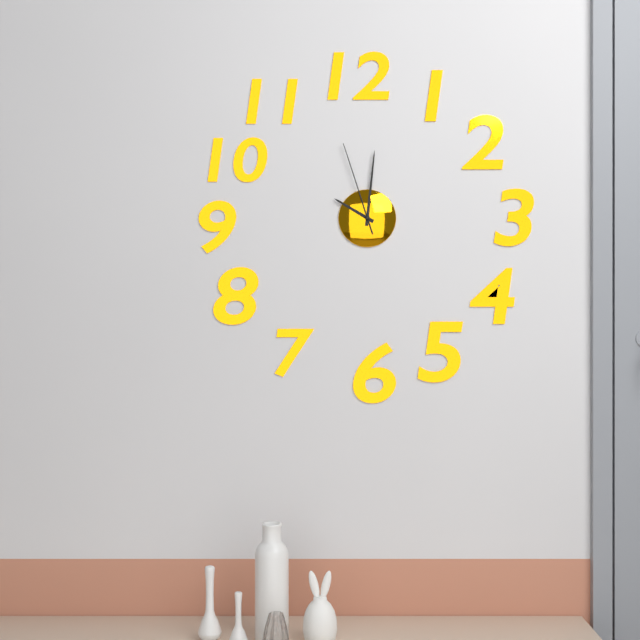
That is h=10 m=1 s=57
